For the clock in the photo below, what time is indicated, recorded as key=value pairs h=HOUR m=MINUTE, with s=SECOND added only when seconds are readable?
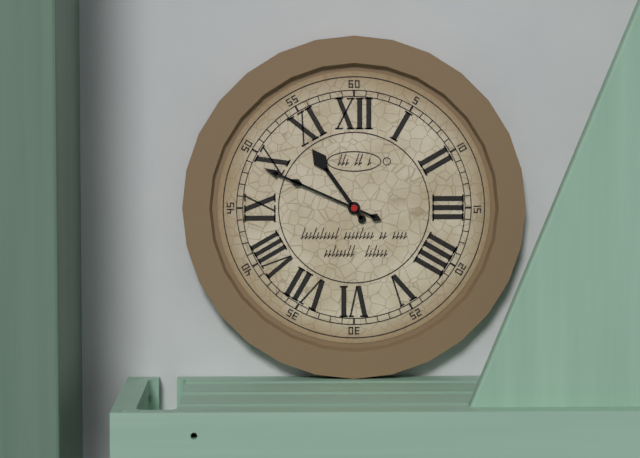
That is h=10 m=49
